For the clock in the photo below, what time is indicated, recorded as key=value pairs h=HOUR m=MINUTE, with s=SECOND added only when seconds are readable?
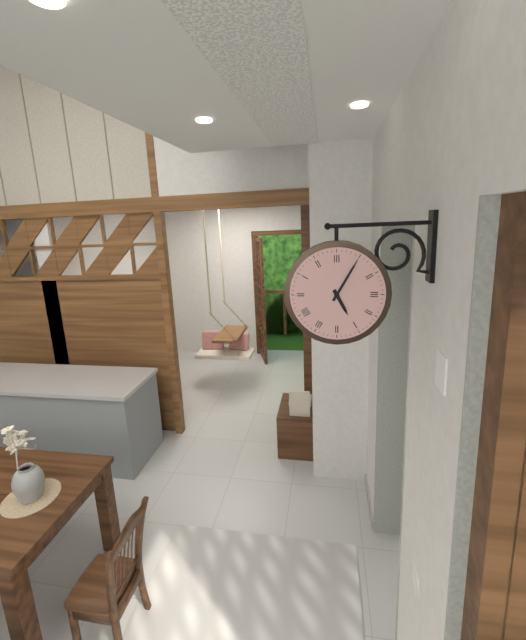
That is h=5 m=5
